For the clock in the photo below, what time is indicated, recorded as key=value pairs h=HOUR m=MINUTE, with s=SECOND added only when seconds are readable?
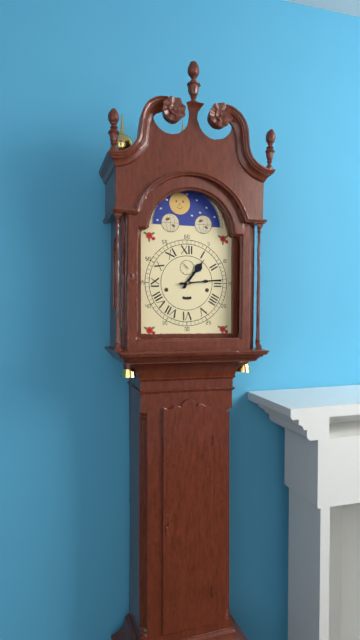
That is h=1 m=14
